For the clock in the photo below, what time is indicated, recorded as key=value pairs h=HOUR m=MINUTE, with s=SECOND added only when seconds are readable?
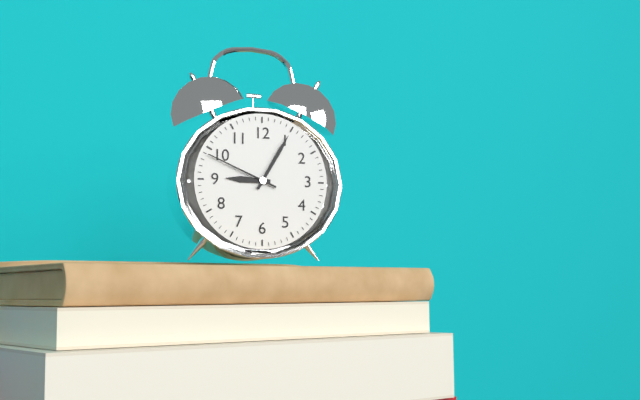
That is h=9 m=5 s=49
